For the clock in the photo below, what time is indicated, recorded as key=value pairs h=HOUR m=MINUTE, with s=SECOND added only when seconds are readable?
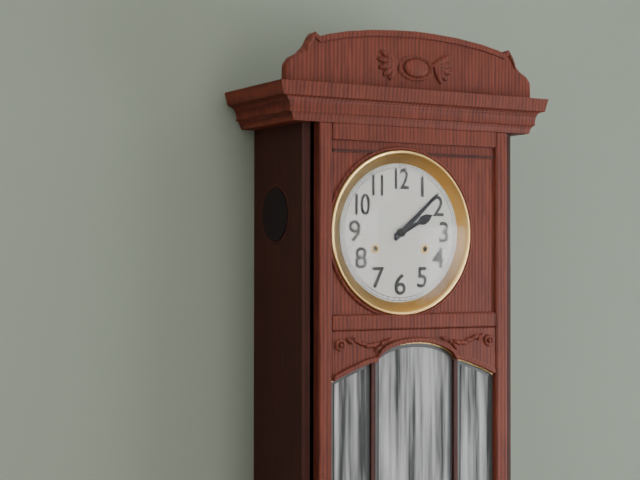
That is h=2 m=8
